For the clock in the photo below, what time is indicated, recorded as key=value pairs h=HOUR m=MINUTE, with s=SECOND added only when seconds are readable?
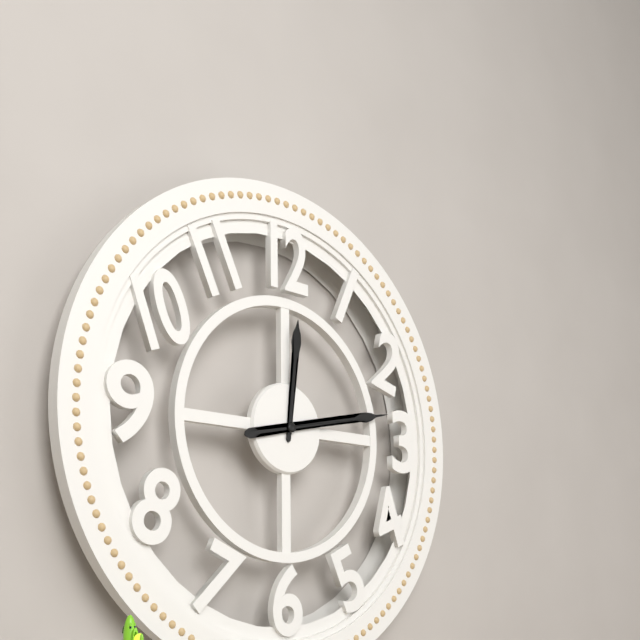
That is h=12 m=13
